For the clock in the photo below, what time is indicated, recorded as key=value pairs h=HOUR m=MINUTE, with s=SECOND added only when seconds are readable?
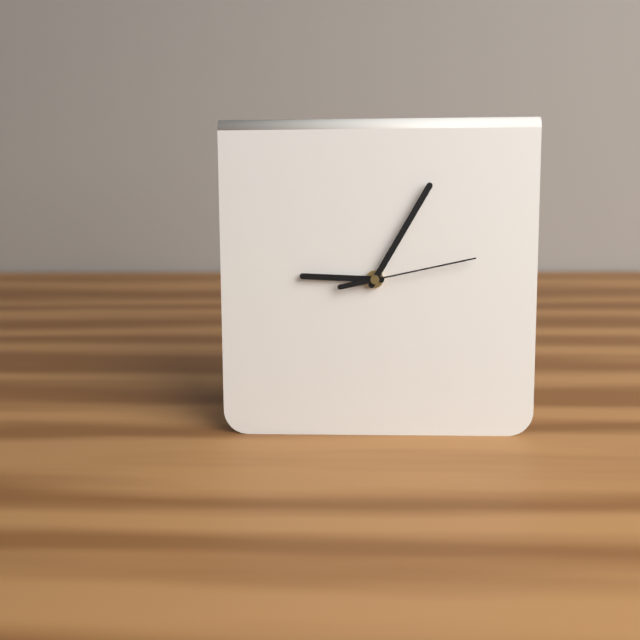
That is h=9 m=5 s=13
